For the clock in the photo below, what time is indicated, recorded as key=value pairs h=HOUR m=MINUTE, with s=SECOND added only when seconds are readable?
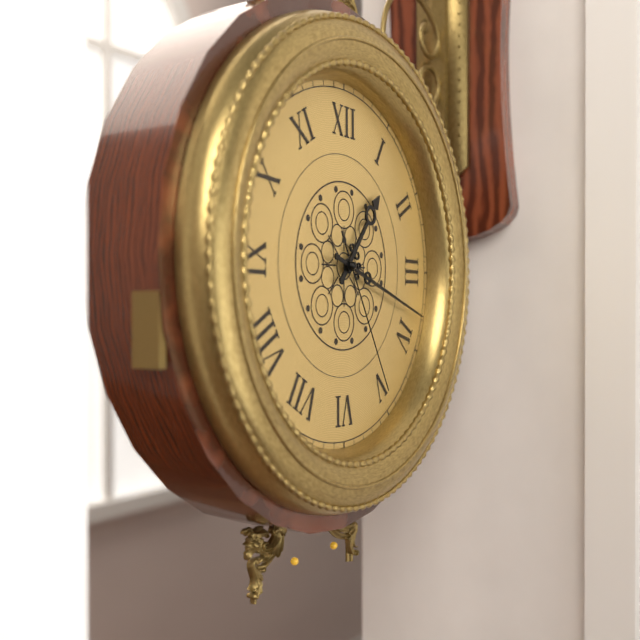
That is h=1 m=18 s=25
